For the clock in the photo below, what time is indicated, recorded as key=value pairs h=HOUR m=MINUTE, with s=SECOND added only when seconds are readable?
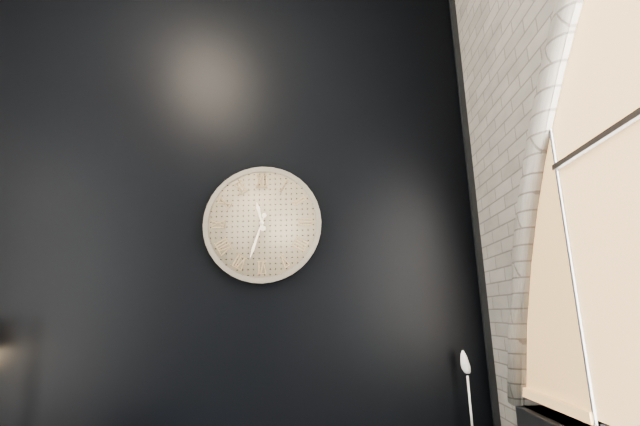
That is h=11 m=33
